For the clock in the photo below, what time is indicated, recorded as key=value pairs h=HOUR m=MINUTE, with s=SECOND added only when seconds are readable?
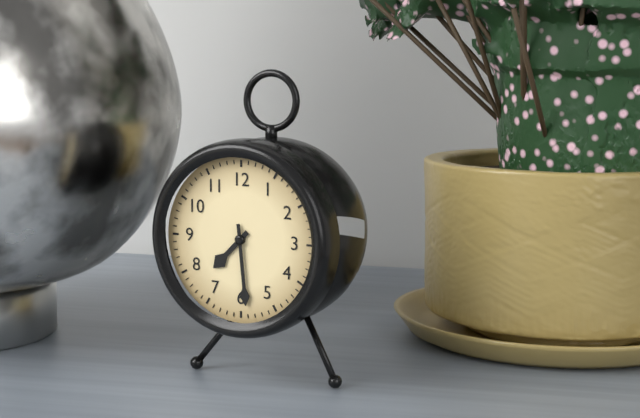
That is h=7 m=29
